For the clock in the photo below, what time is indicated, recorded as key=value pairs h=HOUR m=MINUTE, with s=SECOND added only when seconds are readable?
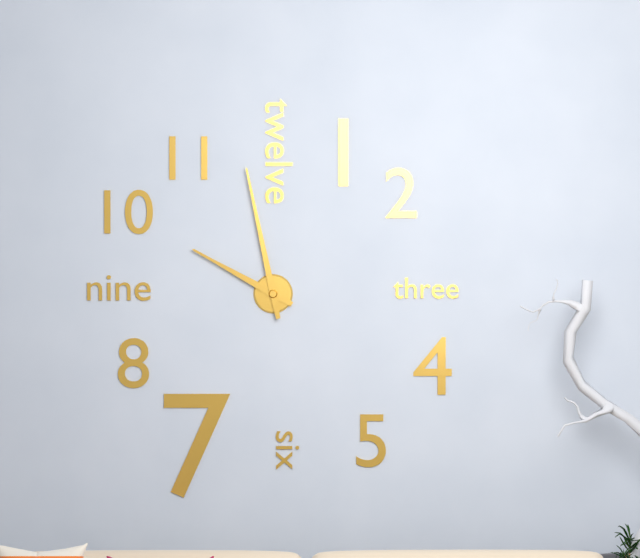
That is h=9 m=58
